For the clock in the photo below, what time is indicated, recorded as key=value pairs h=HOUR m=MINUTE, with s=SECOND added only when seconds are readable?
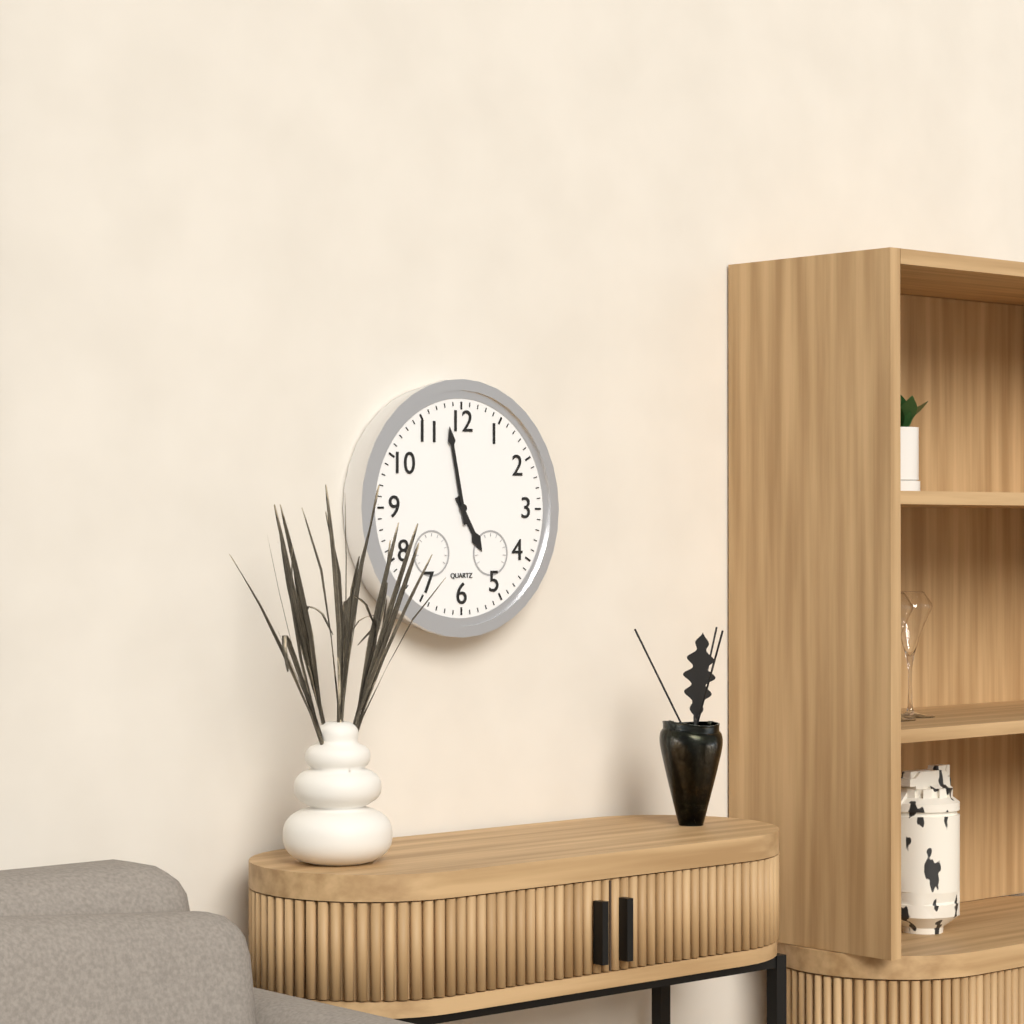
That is h=4 m=58
